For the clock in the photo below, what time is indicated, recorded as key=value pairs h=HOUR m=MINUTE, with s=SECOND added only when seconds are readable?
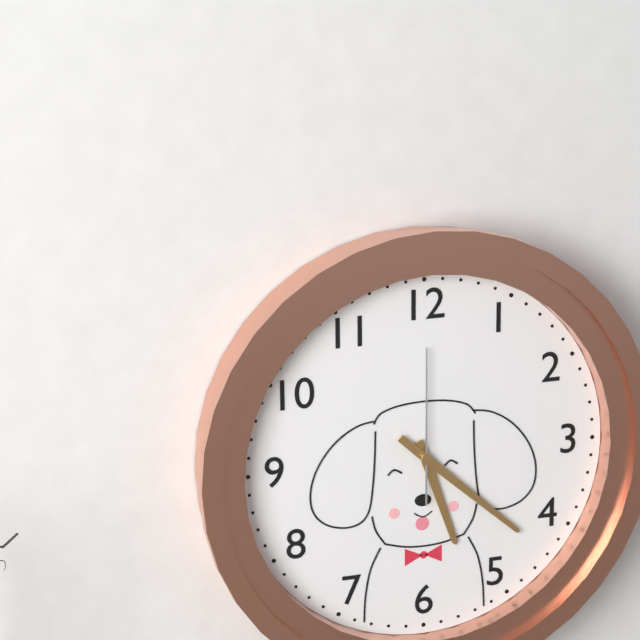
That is h=5 m=22 s=0
